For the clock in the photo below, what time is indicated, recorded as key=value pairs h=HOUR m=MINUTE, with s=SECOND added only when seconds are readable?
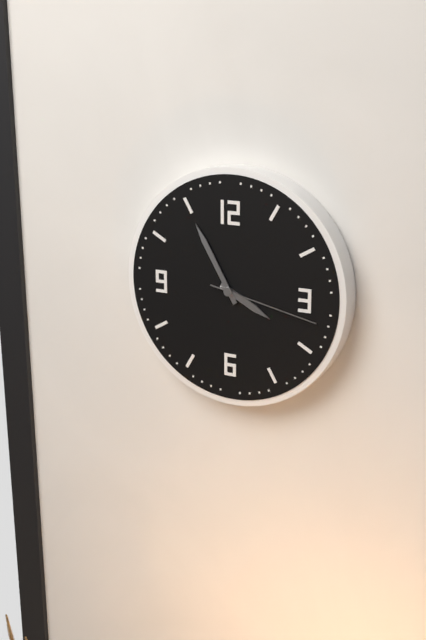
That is h=3 m=55 s=17
